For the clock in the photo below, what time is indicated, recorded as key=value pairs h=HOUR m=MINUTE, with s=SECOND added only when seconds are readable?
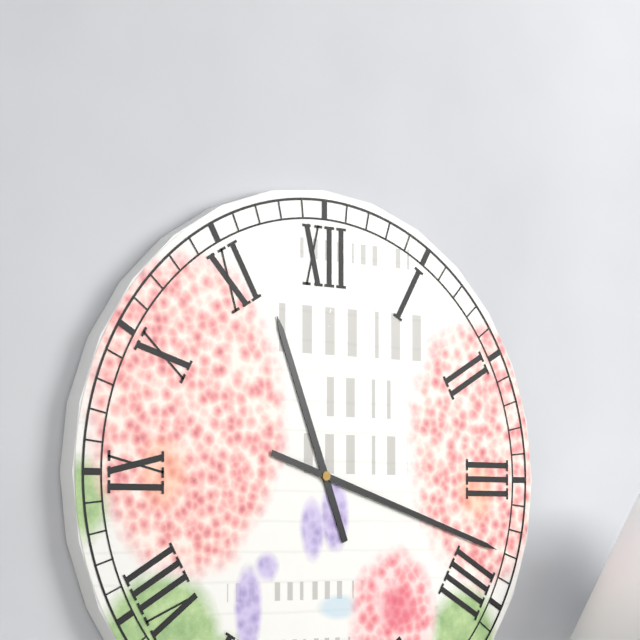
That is h=11 m=18
